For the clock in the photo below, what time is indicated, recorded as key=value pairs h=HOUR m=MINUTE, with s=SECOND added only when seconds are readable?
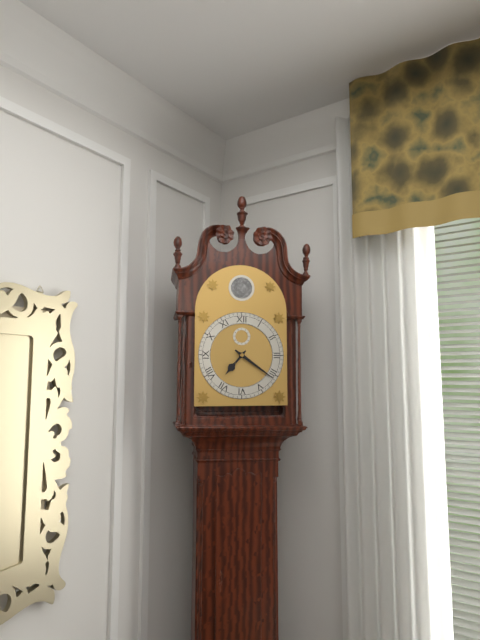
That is h=7 m=21
